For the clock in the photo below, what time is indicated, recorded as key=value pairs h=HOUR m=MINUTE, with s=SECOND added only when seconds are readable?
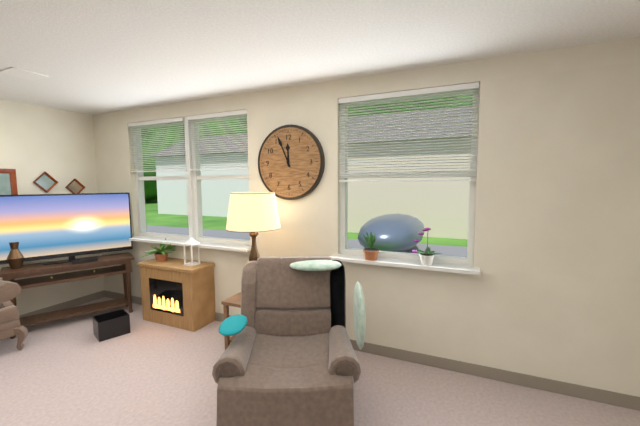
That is h=11 m=56
